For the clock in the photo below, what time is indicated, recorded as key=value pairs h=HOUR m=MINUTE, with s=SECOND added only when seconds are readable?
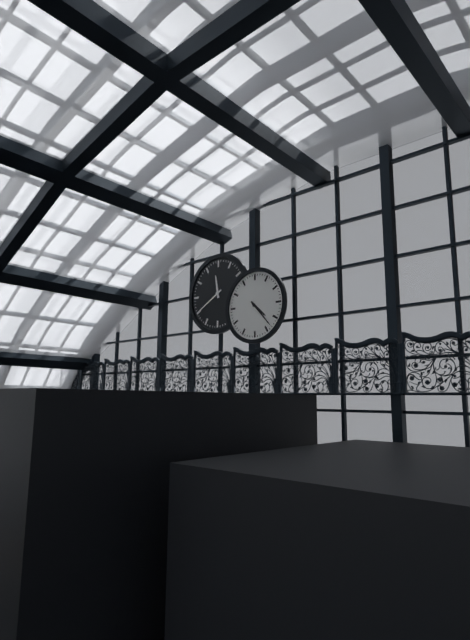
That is h=4 m=23
